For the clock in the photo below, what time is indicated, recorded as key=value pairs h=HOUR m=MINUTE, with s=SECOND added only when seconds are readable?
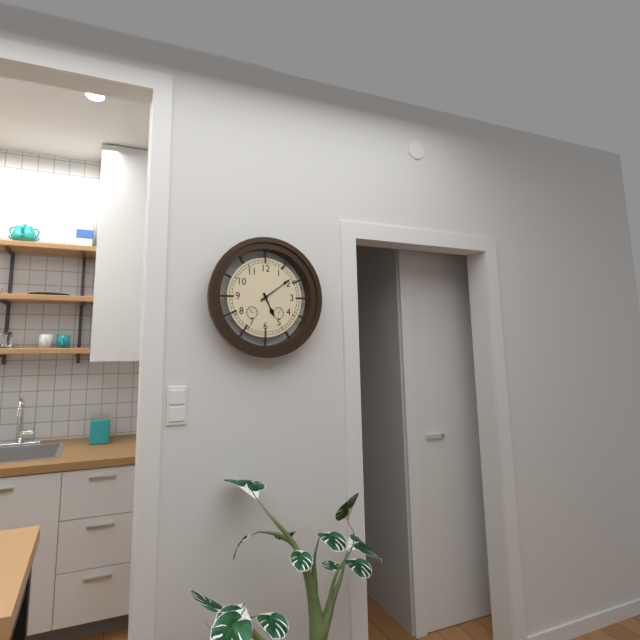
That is h=5 m=9
